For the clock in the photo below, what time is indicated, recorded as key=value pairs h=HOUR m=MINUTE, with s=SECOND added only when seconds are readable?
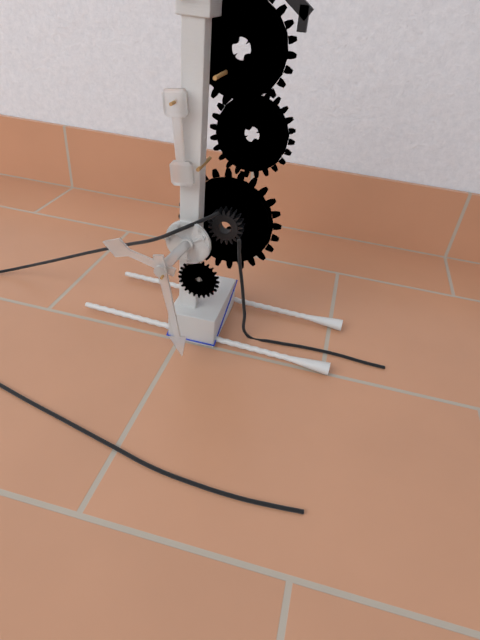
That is h=9 m=28
